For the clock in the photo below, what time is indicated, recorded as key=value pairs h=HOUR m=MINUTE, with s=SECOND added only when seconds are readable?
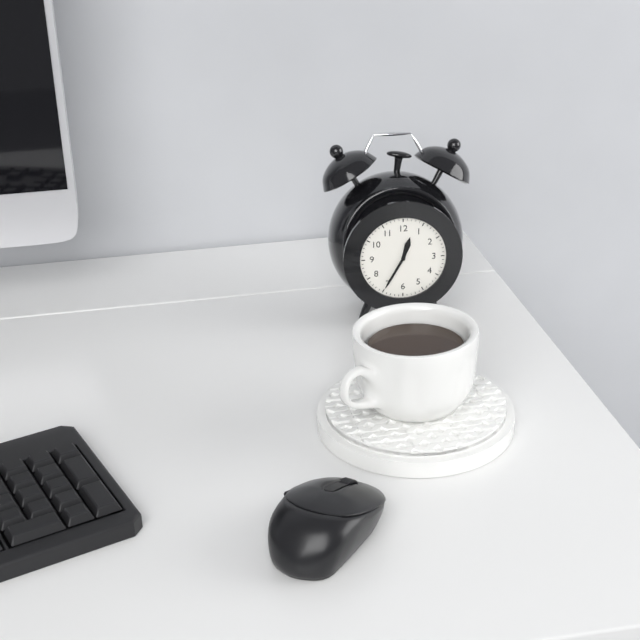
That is h=12 m=35
